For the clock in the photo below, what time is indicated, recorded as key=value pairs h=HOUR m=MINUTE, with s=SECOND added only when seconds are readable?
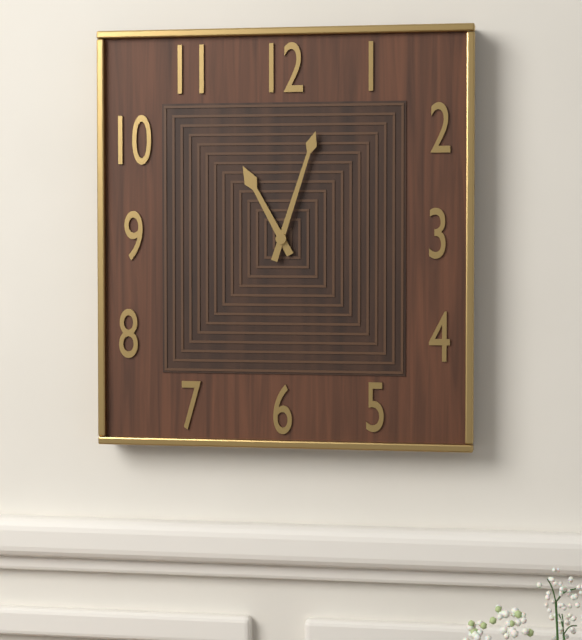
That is h=11 m=3
